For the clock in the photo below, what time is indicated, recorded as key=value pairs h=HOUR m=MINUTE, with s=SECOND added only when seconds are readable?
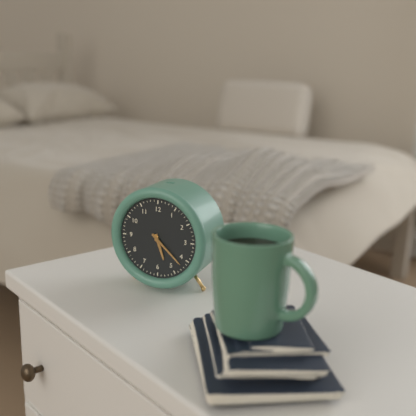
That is h=5 m=22
